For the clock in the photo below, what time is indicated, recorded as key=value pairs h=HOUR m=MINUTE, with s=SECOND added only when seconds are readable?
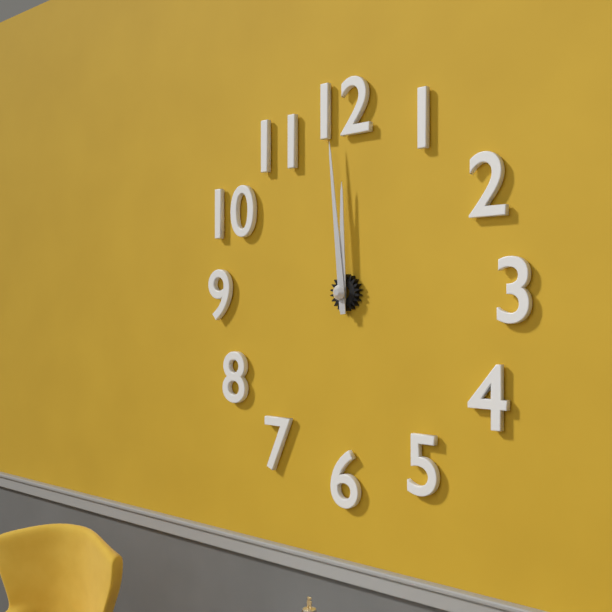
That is h=11 m=59
